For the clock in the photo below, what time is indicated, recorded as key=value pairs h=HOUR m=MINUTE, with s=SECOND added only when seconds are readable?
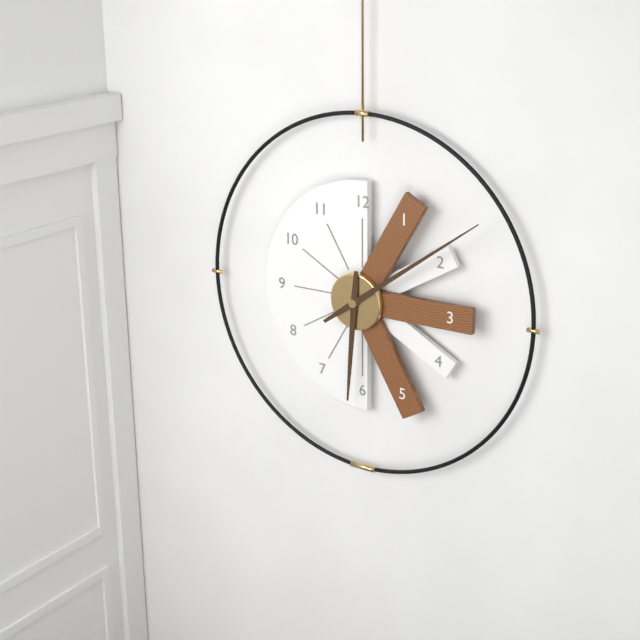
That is h=6 m=9
